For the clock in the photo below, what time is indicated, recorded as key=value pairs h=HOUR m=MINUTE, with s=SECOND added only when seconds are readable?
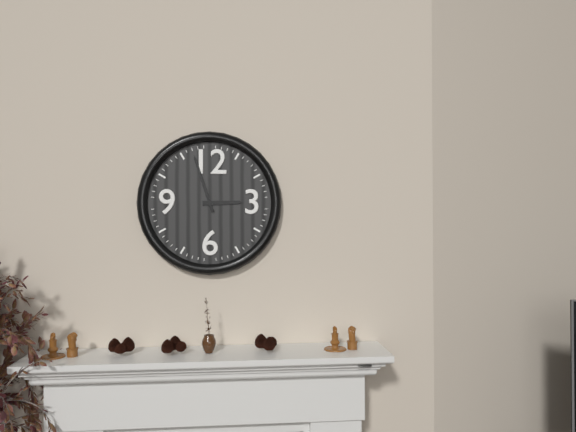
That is h=2 m=57
